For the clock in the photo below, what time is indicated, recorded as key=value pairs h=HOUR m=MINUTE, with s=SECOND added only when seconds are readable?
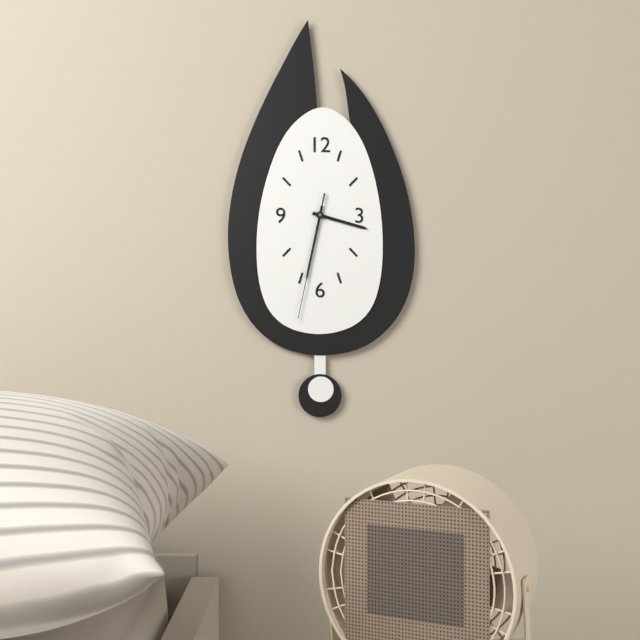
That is h=3 m=32 s=32
